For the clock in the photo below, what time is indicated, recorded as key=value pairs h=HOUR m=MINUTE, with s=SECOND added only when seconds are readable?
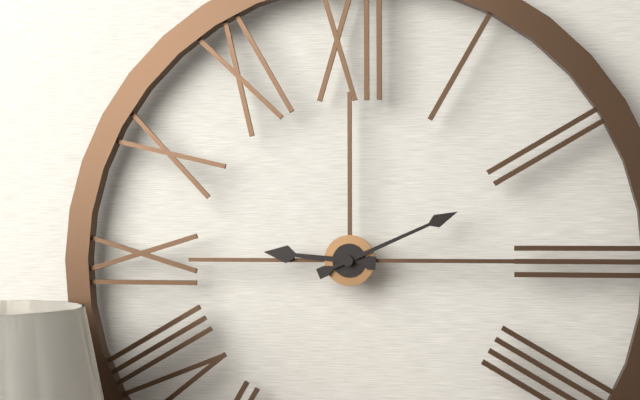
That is h=9 m=11
